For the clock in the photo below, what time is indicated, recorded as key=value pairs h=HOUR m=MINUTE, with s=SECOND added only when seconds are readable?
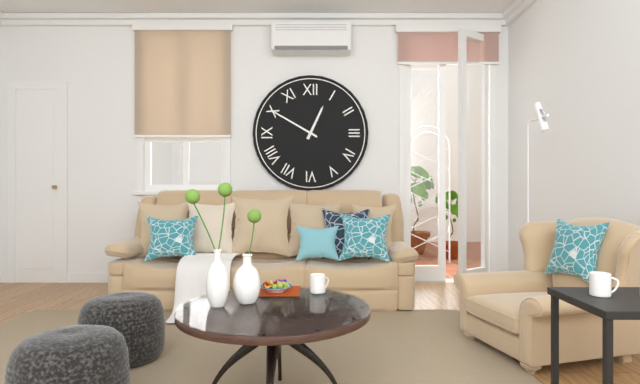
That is h=12 m=50
